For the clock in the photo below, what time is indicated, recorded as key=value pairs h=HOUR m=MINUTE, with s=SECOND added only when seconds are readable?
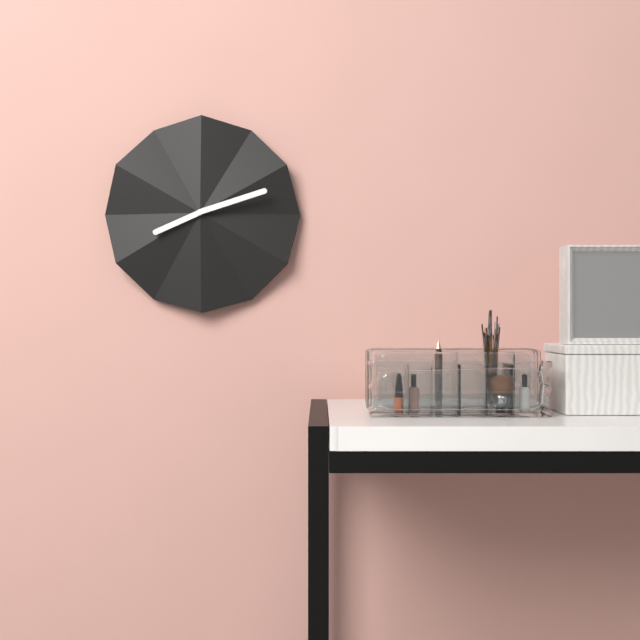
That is h=8 m=12
